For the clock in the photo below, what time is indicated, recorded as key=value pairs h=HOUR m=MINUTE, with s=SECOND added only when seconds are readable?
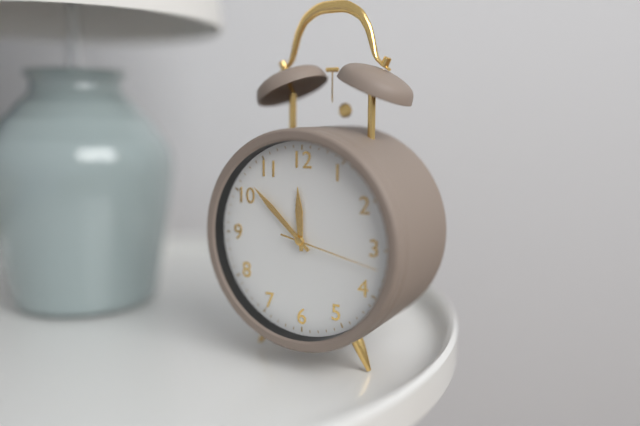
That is h=11 m=52 s=17
